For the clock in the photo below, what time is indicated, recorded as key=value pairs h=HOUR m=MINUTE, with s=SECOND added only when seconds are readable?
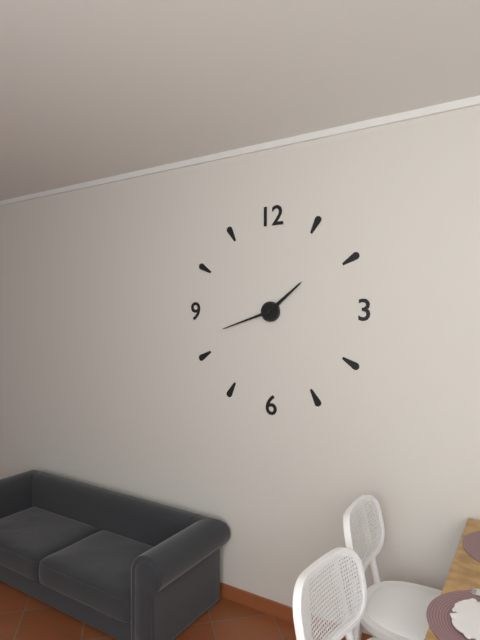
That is h=1 m=42
